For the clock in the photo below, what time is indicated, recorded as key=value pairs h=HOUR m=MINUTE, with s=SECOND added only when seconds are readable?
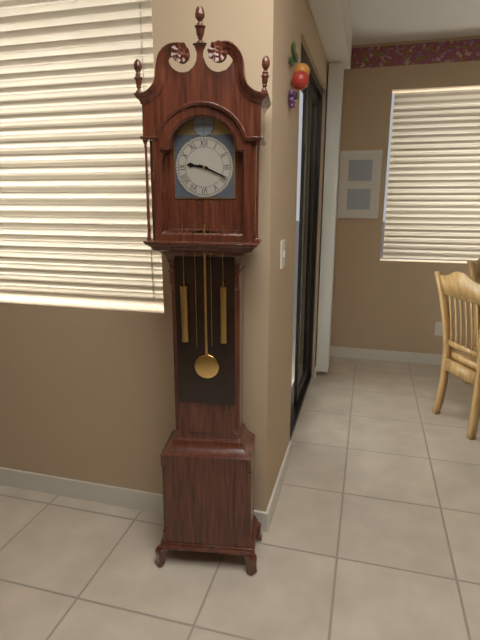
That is h=9 m=19
